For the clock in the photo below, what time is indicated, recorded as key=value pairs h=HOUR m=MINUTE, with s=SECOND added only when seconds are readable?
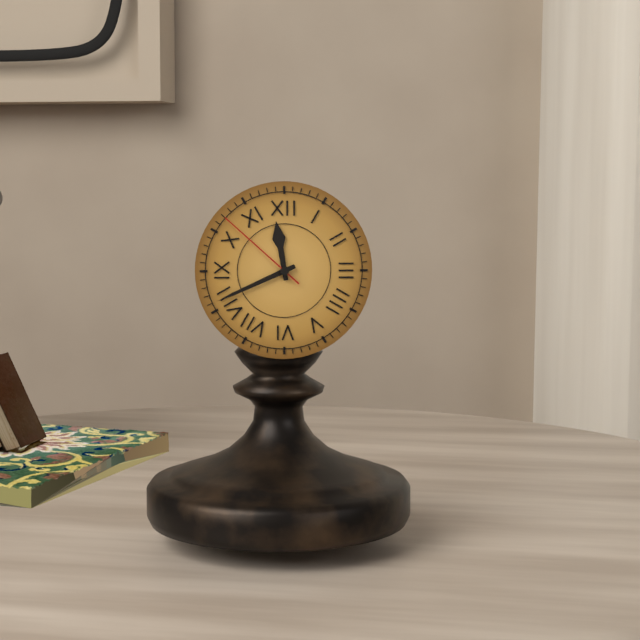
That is h=11 m=41 s=52
